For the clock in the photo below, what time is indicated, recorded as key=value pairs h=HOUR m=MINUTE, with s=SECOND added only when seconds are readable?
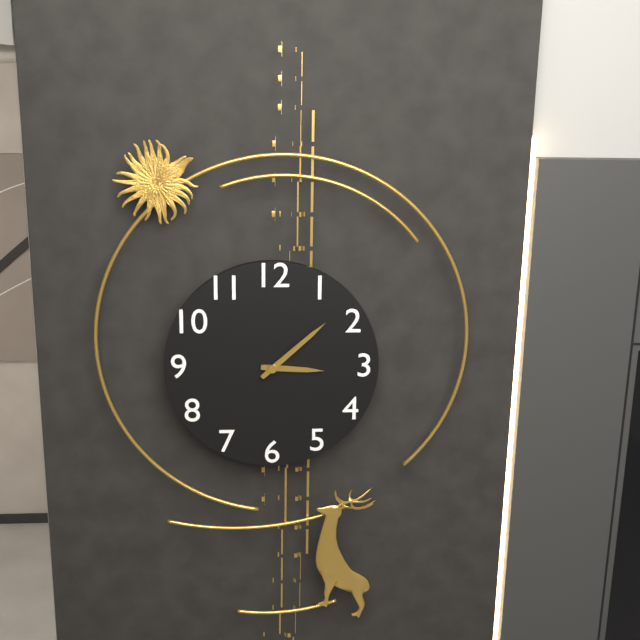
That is h=3 m=8
